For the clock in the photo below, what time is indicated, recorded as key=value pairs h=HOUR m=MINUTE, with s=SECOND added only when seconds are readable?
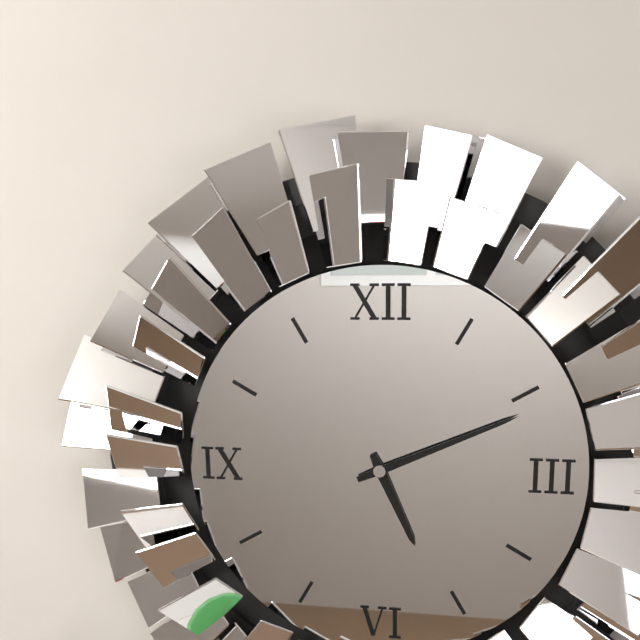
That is h=5 m=11
